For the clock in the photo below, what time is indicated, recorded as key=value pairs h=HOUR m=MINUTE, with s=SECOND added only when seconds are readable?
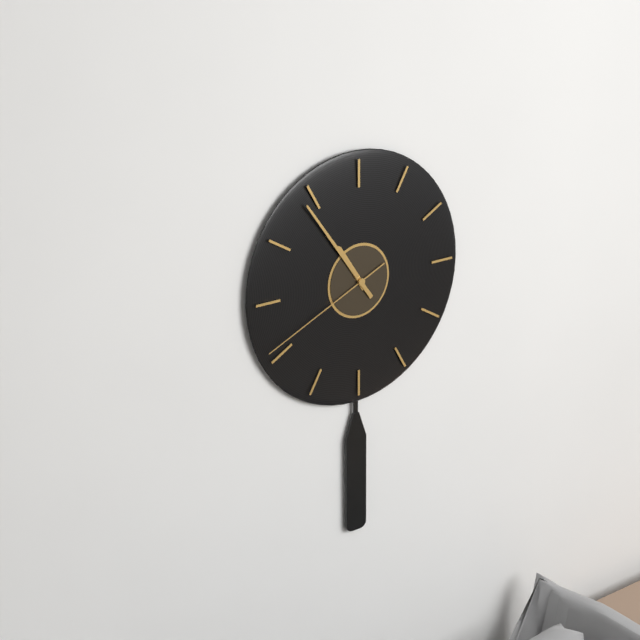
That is h=10 m=54 s=41
